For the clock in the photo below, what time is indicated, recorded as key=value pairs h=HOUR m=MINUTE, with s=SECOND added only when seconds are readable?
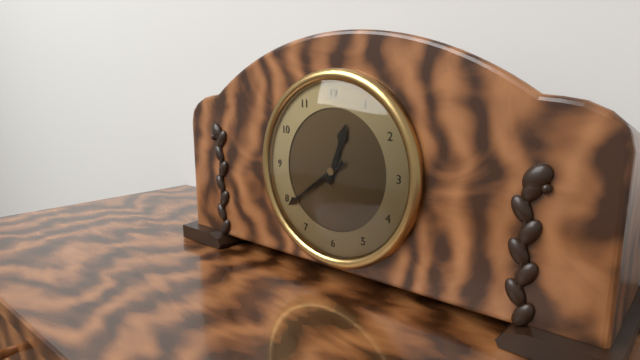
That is h=12 m=39
